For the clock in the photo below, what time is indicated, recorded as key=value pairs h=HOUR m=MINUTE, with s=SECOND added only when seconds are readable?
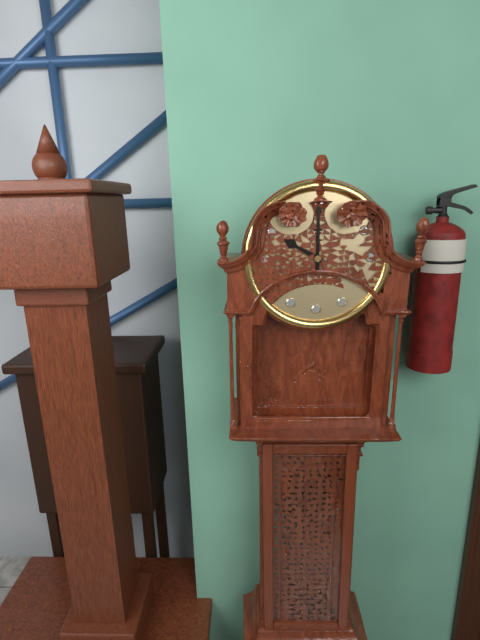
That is h=10 m=0
